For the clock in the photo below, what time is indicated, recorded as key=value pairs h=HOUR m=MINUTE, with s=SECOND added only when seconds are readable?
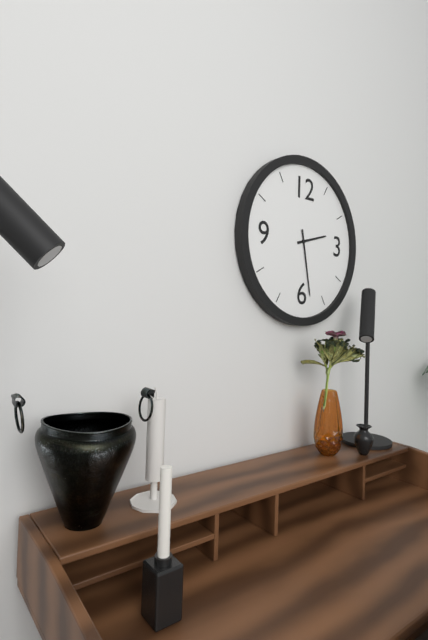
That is h=2 m=28
